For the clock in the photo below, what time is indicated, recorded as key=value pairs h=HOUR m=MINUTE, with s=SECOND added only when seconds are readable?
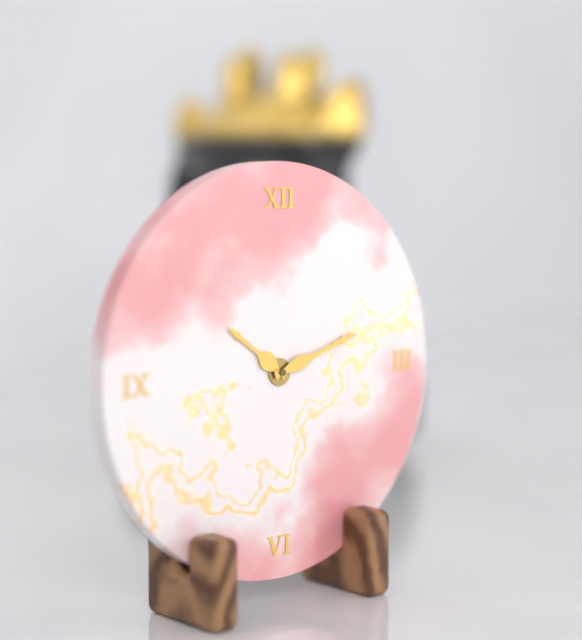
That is h=10 m=12
